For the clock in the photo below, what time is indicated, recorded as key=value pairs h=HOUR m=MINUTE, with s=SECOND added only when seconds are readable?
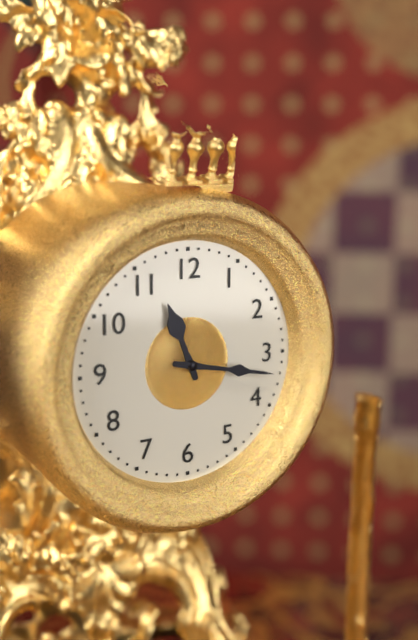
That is h=11 m=17
